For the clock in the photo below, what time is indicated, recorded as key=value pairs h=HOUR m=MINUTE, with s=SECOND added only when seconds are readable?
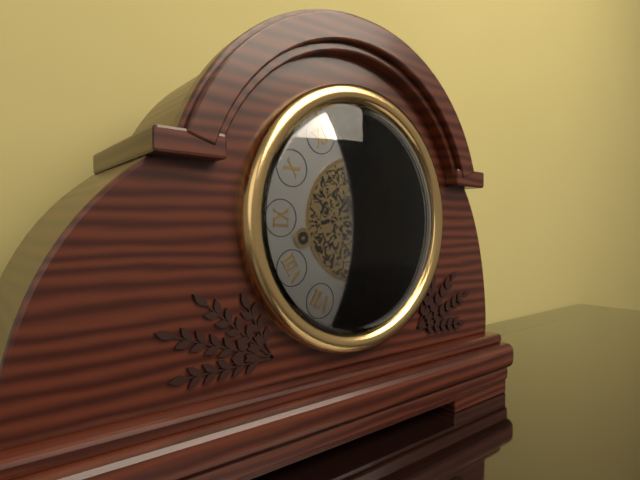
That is h=5 m=24
